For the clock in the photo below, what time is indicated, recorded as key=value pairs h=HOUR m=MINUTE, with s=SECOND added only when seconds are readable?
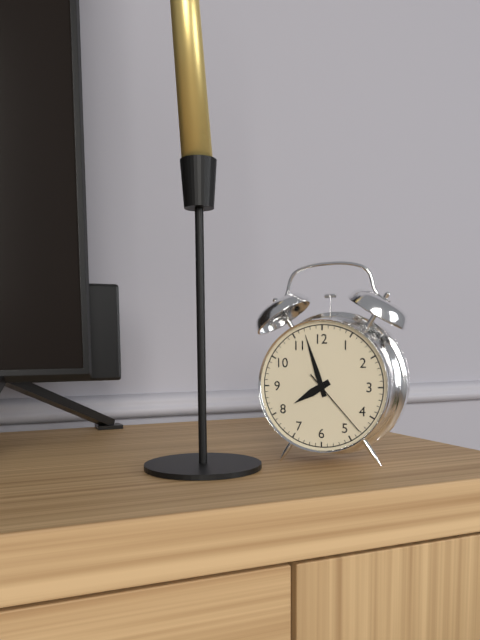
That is h=7 m=57 s=23
